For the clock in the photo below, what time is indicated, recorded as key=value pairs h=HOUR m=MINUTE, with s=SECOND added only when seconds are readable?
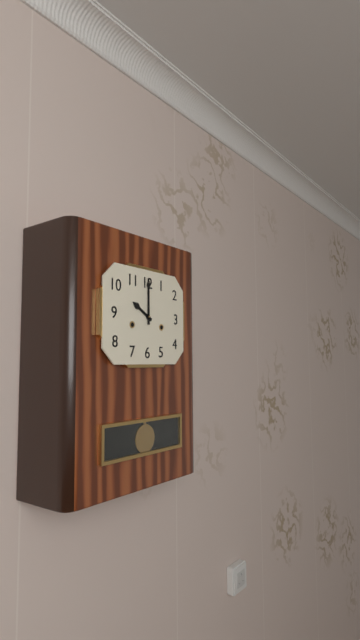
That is h=10 m=0
